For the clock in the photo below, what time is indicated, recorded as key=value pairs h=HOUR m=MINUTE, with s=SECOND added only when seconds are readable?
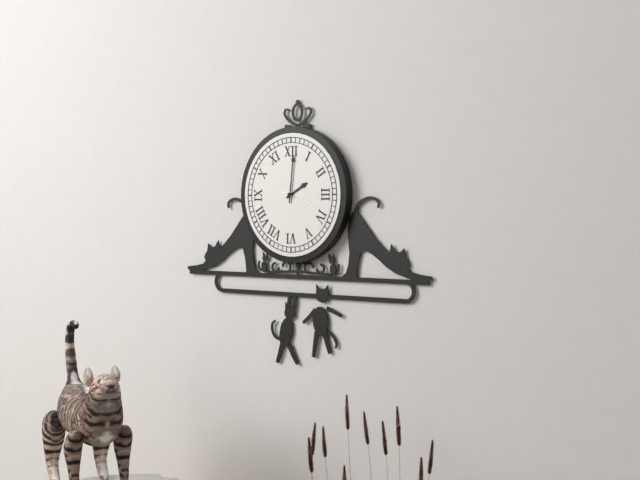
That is h=2 m=1
